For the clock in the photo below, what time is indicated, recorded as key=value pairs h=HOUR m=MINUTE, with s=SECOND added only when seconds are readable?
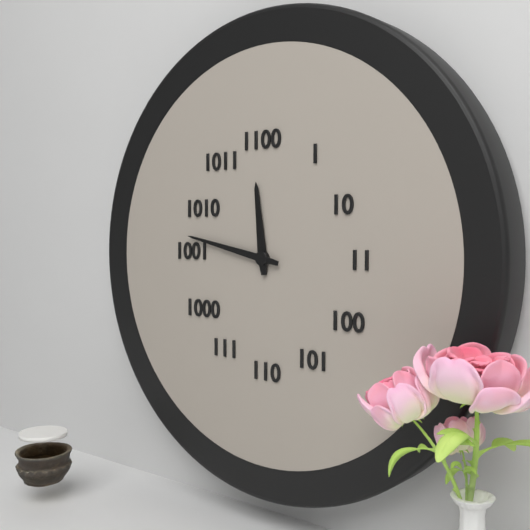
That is h=11 m=47
